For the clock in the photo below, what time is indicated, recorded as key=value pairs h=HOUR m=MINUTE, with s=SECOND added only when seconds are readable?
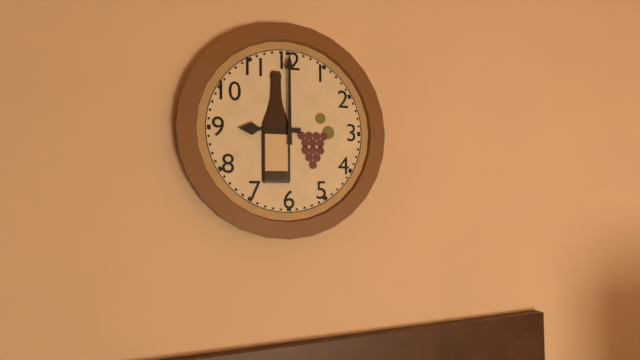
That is h=9 m=0
